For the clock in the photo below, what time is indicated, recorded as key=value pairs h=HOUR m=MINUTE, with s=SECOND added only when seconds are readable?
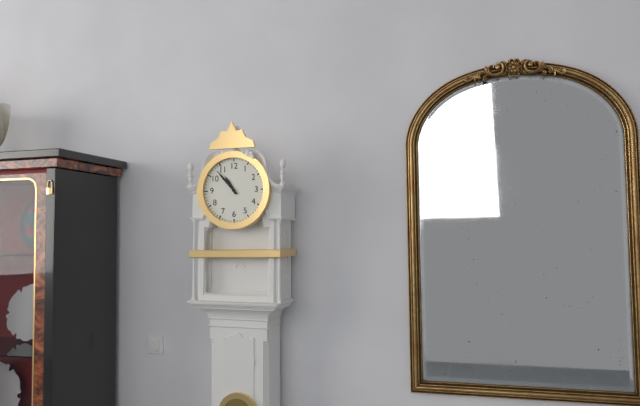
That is h=10 m=53
